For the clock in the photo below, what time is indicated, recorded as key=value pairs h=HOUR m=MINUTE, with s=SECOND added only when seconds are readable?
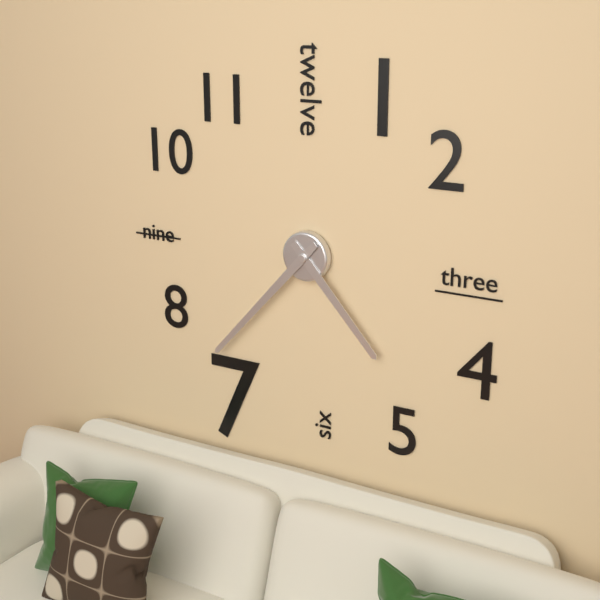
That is h=4 m=37
